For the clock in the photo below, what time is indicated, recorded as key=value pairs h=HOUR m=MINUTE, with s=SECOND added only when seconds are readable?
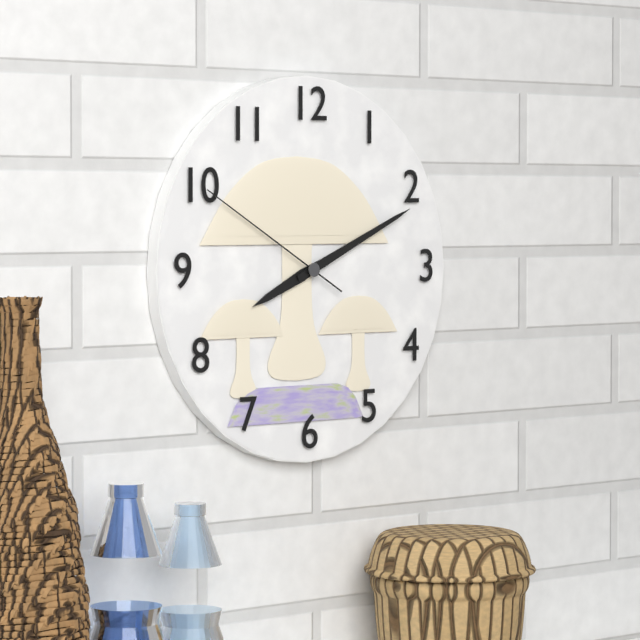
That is h=8 m=11 s=50
